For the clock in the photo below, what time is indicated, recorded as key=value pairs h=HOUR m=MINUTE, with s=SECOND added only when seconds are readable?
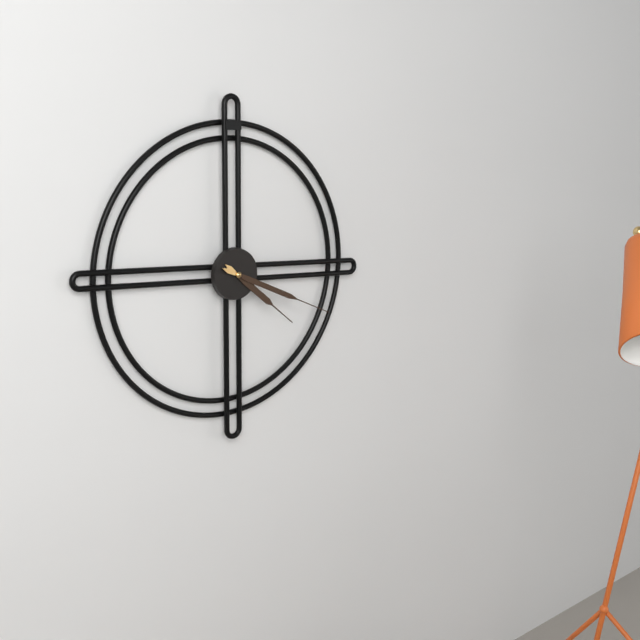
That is h=4 m=19
